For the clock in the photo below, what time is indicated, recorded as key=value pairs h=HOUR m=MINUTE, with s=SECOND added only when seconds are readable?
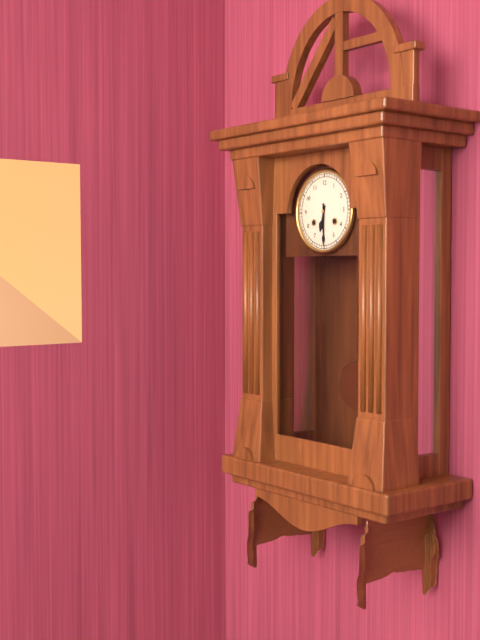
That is h=6 m=30
